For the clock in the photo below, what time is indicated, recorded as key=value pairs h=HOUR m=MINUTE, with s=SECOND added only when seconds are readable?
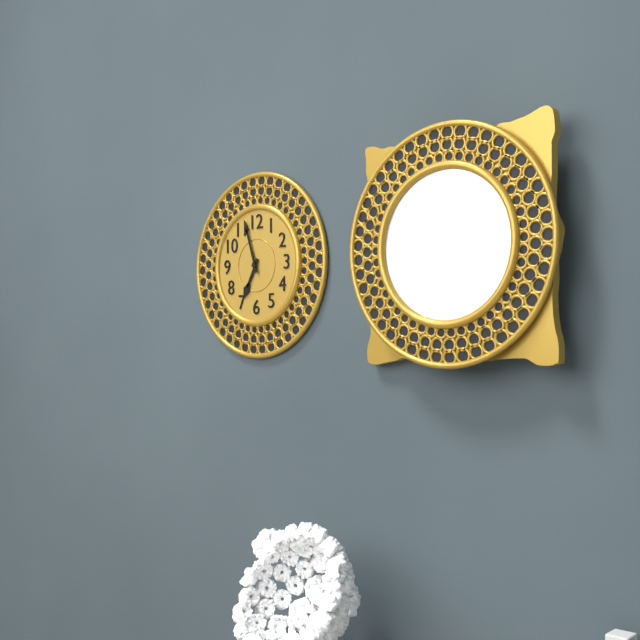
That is h=6 m=57
